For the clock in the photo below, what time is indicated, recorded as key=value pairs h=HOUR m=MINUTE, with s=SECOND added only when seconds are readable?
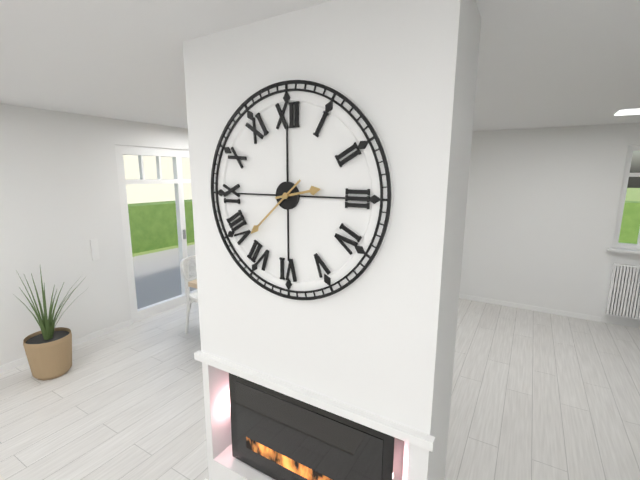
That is h=2 m=38
